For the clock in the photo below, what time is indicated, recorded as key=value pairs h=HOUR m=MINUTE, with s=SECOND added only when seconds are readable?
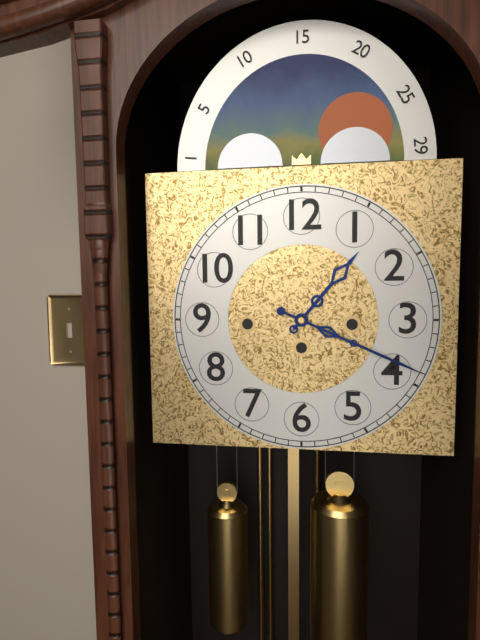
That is h=1 m=19
